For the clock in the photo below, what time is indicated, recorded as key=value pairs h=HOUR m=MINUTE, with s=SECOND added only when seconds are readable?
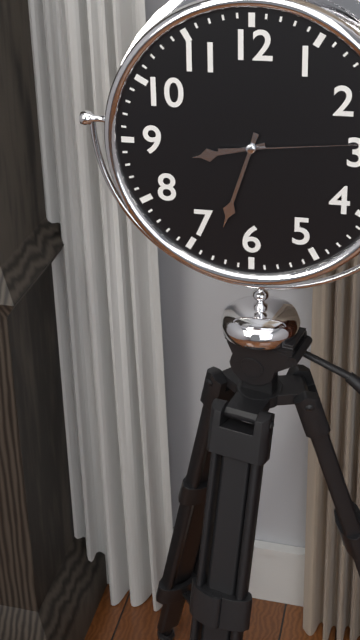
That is h=8 m=33
